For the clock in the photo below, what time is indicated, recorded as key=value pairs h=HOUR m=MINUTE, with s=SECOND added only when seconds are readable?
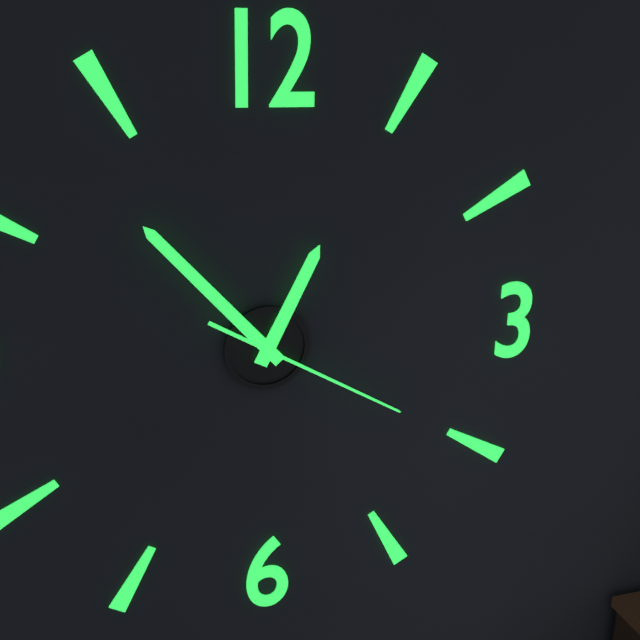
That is h=12 m=53 s=20
